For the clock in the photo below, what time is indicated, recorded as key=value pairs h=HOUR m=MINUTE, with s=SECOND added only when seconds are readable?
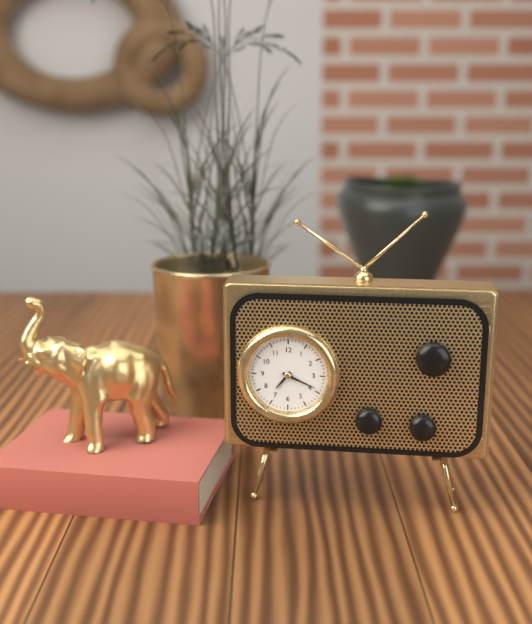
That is h=7 m=19
